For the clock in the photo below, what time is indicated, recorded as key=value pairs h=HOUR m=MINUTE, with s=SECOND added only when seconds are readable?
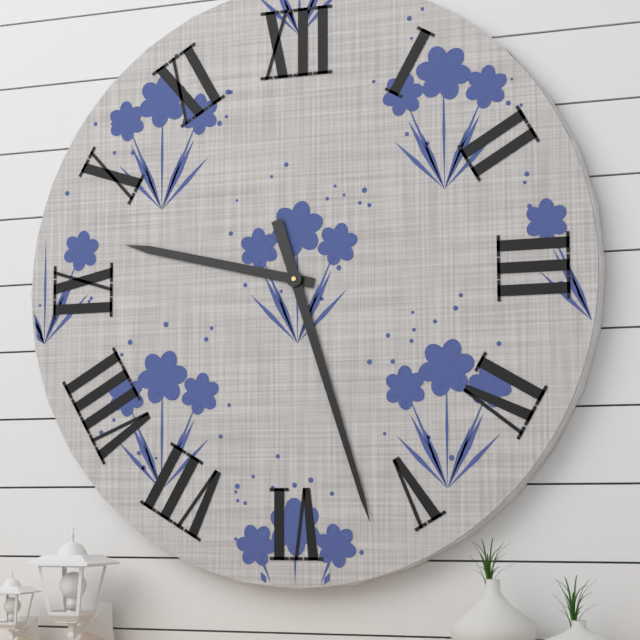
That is h=9 m=27
